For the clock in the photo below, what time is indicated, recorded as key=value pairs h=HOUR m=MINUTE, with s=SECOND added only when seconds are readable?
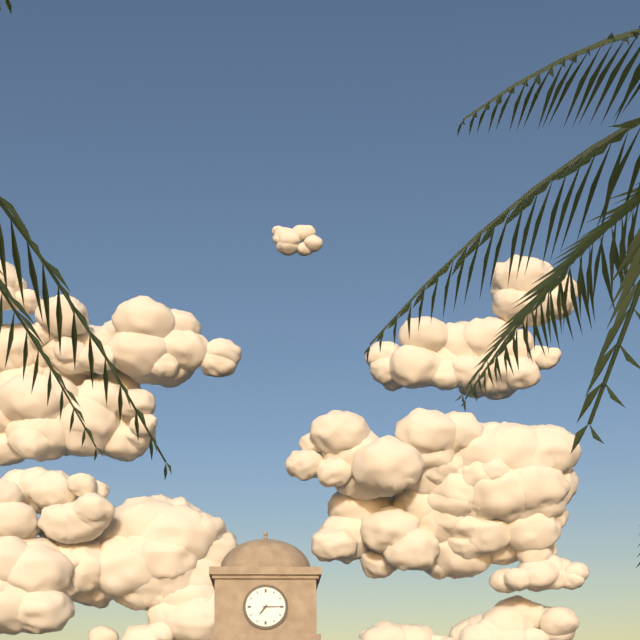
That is h=7 m=15
